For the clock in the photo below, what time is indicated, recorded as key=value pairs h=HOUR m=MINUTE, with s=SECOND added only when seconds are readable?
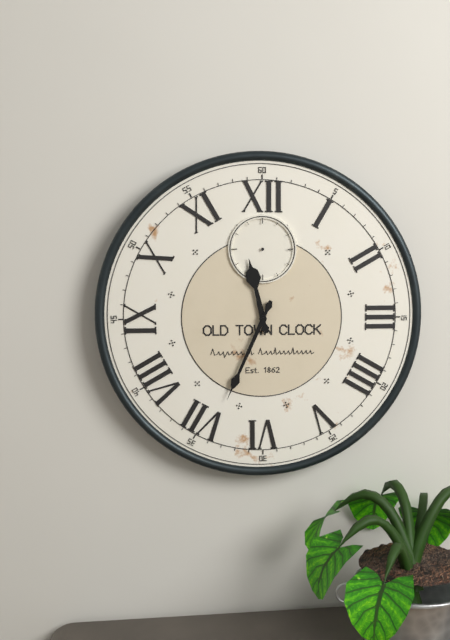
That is h=11 m=34
